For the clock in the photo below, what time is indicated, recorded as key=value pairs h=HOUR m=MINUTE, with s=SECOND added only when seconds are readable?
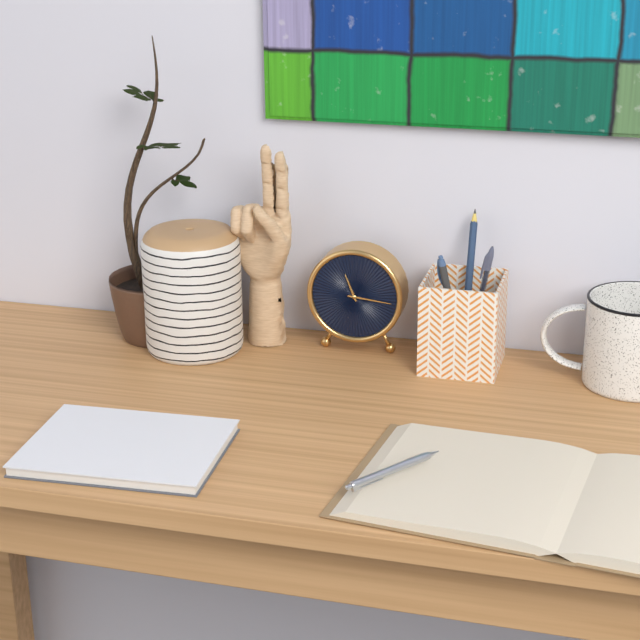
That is h=11 m=16
